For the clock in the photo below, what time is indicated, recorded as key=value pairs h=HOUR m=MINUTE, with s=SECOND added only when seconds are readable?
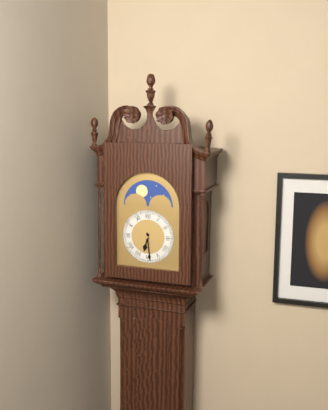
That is h=6 m=29
